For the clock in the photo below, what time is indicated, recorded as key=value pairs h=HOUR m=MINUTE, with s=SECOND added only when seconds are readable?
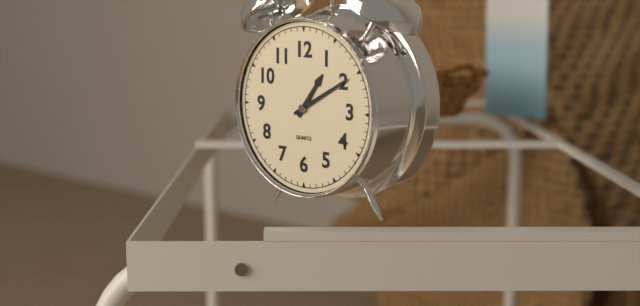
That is h=1 m=10
